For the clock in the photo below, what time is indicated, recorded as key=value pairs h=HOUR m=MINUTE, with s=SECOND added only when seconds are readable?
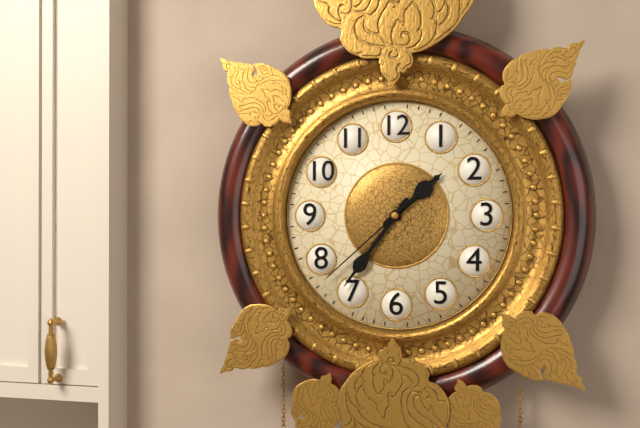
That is h=1 m=36 s=38
